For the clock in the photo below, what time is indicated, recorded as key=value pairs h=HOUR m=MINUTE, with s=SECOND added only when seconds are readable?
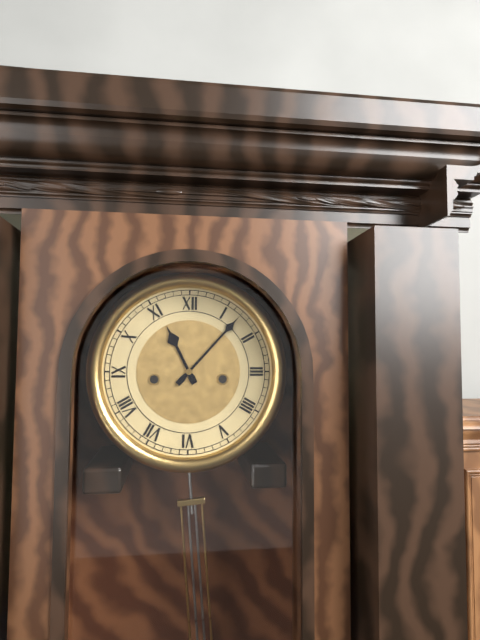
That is h=11 m=7
